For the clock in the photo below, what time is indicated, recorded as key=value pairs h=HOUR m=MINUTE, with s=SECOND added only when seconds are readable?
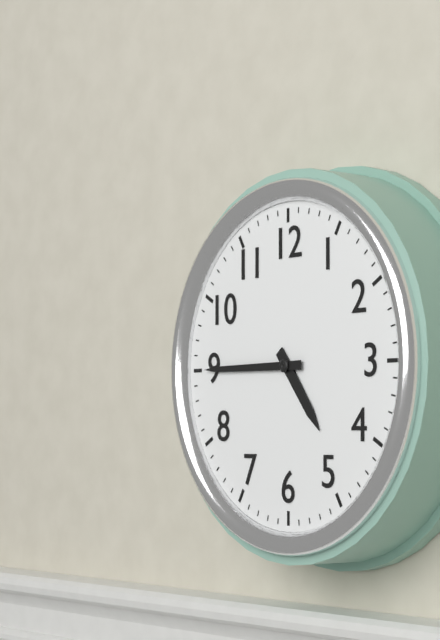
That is h=4 m=45
